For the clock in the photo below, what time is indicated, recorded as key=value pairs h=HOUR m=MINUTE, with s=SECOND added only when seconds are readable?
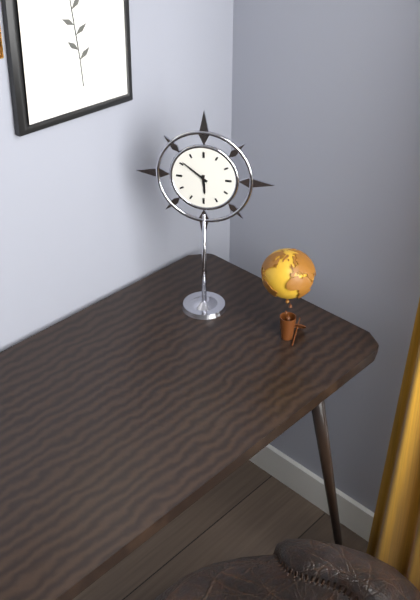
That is h=5 m=51
